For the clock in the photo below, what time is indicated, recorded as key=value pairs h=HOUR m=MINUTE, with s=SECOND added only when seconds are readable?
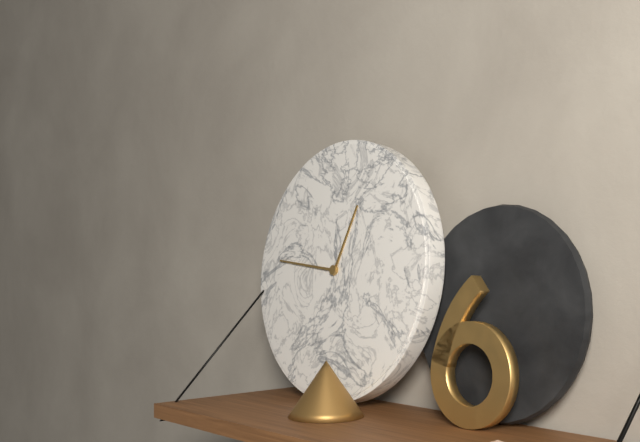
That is h=12 m=46
